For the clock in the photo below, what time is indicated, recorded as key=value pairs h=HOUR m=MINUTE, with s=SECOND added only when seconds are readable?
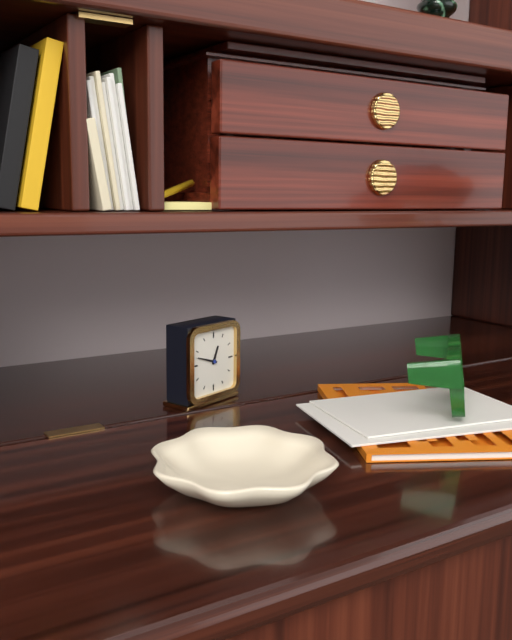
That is h=12 m=48
